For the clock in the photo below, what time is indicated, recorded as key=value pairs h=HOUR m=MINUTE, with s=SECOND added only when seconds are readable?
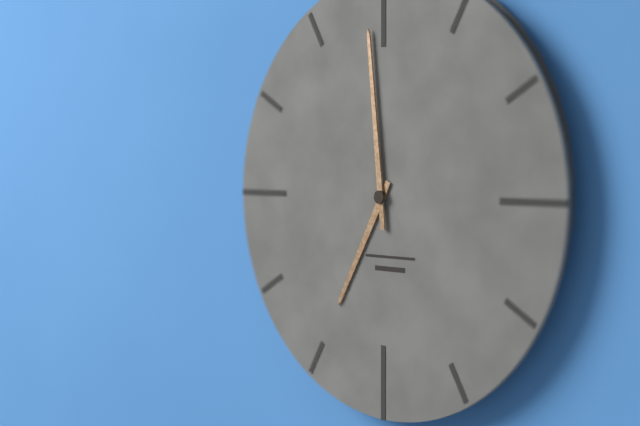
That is h=6 m=59
